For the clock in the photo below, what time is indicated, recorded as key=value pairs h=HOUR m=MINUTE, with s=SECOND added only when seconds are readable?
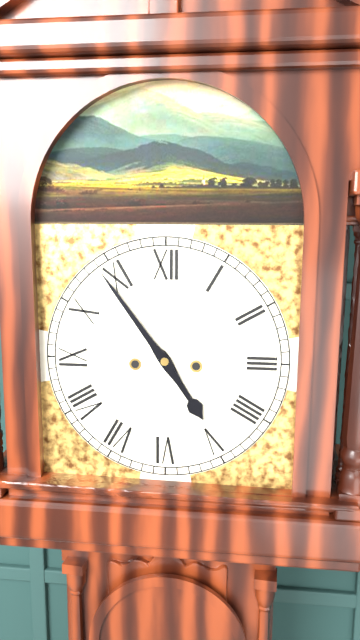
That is h=4 m=54
